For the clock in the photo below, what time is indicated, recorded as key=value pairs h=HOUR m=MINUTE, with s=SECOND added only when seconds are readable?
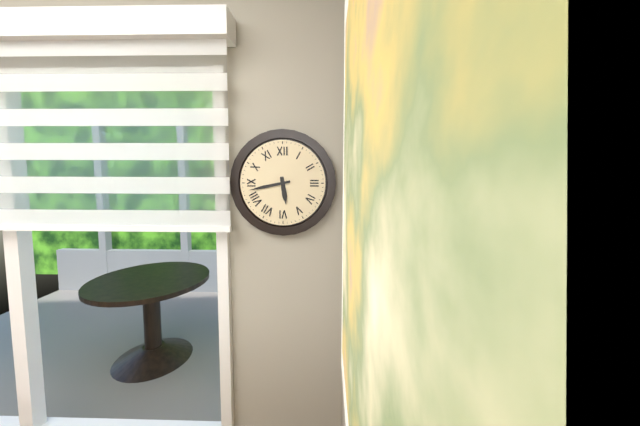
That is h=5 m=43
